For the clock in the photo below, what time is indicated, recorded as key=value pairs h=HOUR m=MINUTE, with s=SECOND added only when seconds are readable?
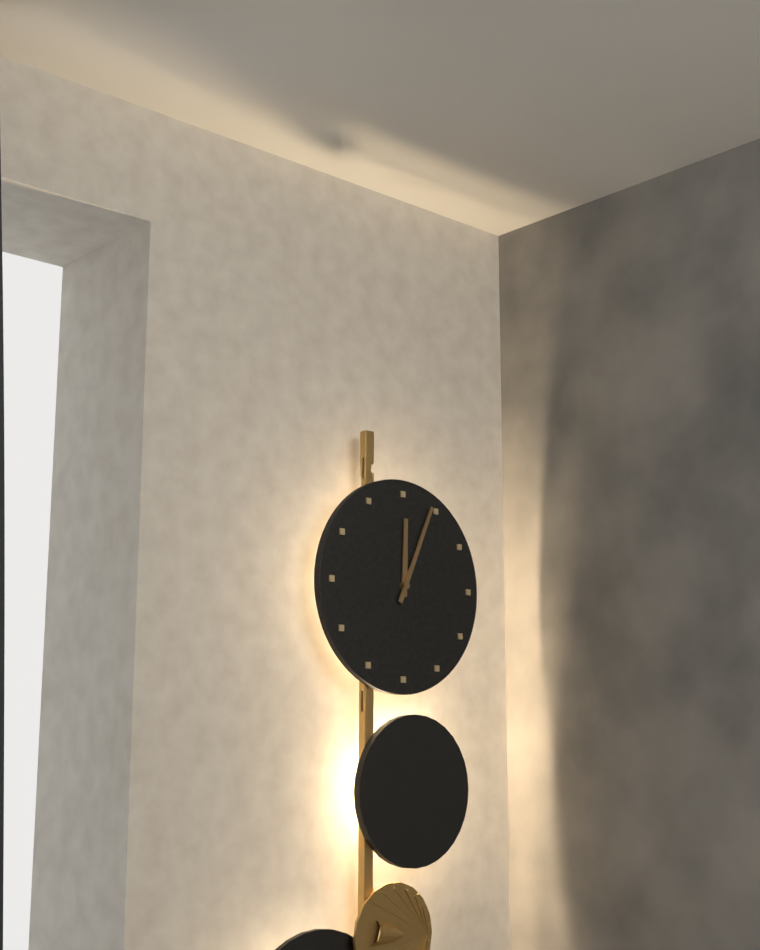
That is h=12 m=4
